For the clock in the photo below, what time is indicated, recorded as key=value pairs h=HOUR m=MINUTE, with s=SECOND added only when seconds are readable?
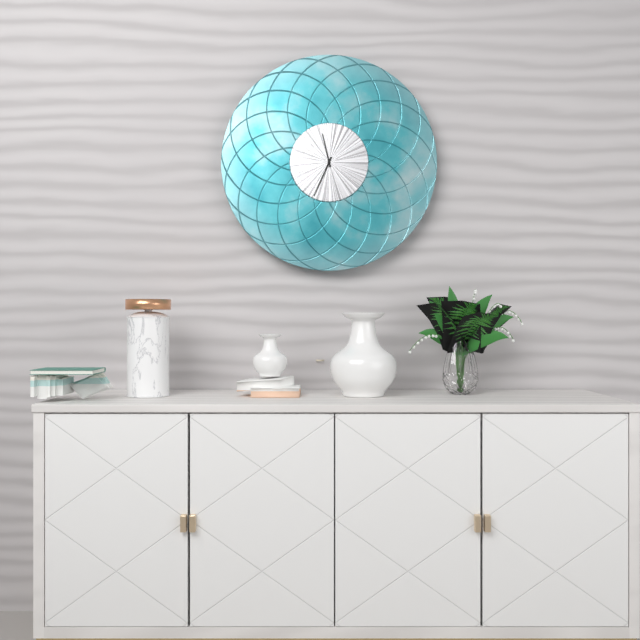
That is h=11 m=34
